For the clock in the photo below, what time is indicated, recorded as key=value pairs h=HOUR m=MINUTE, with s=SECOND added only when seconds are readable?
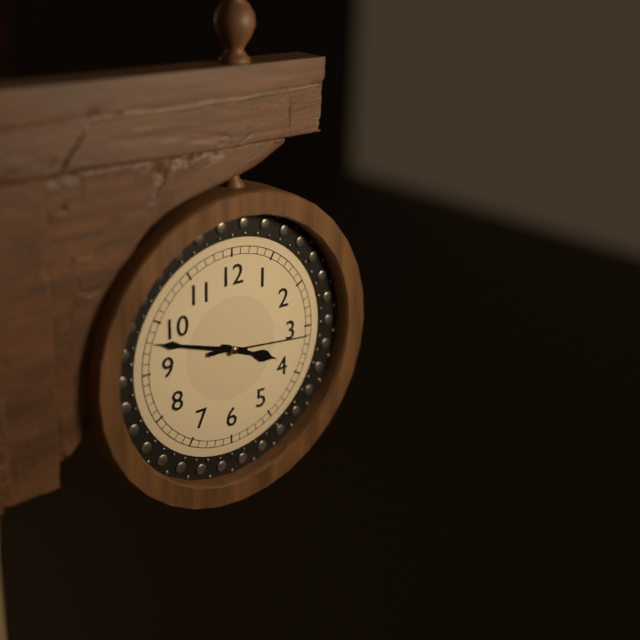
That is h=3 m=48 s=16
